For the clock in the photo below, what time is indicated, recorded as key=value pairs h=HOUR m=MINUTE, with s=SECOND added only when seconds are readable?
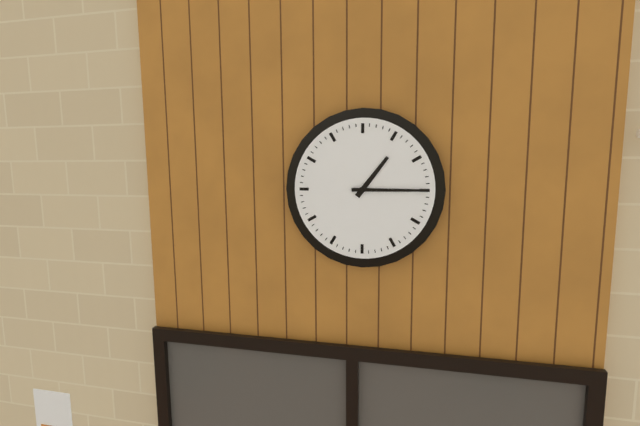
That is h=1 m=15
